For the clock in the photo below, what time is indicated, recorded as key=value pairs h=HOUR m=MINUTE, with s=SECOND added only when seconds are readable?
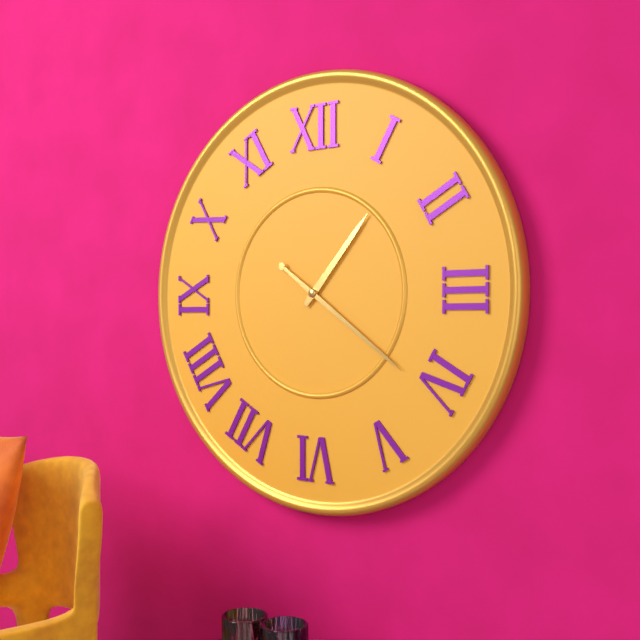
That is h=1 m=21
